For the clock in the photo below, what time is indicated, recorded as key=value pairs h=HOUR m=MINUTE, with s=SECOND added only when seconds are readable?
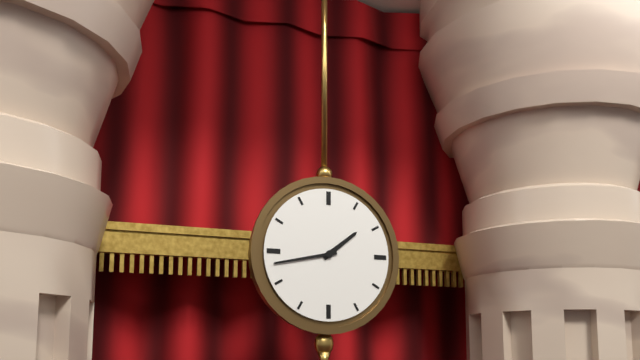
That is h=1 m=43
